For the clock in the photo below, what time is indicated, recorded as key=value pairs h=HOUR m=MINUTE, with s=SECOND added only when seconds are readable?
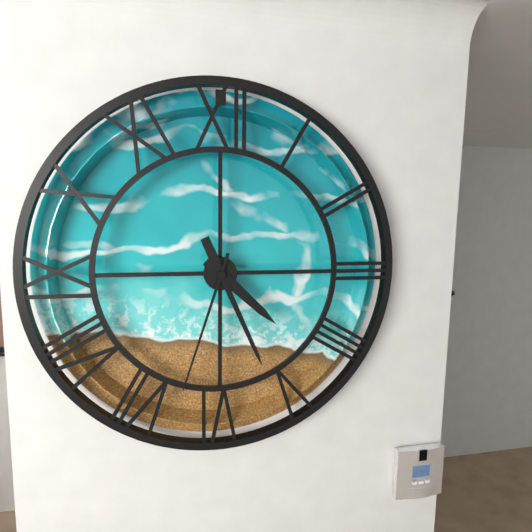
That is h=4 m=26 s=33
